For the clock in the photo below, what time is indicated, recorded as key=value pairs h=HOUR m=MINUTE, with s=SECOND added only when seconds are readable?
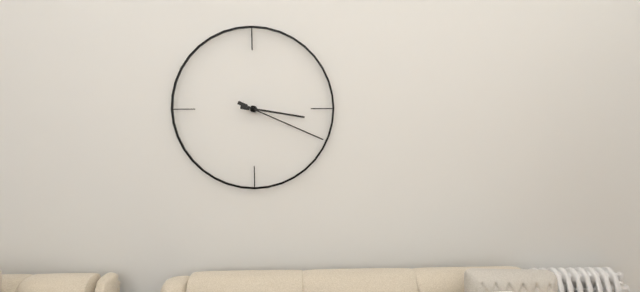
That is h=3 m=19
